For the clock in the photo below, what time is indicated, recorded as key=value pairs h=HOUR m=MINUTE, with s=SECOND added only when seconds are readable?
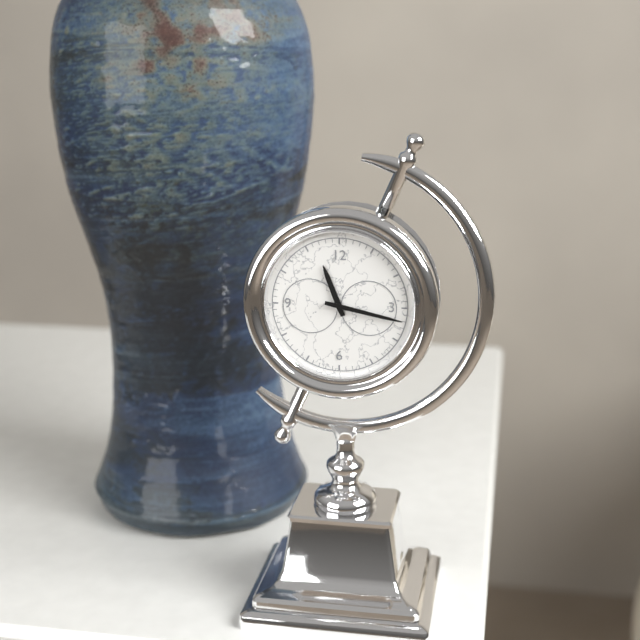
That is h=11 m=17
